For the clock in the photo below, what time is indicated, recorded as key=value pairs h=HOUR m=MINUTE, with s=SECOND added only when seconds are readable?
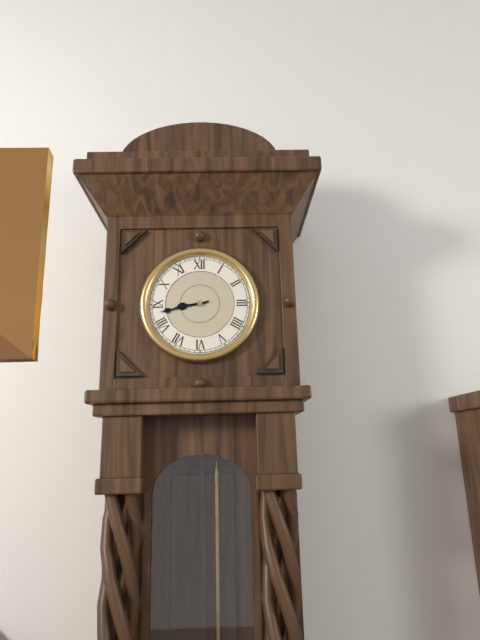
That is h=8 m=43
